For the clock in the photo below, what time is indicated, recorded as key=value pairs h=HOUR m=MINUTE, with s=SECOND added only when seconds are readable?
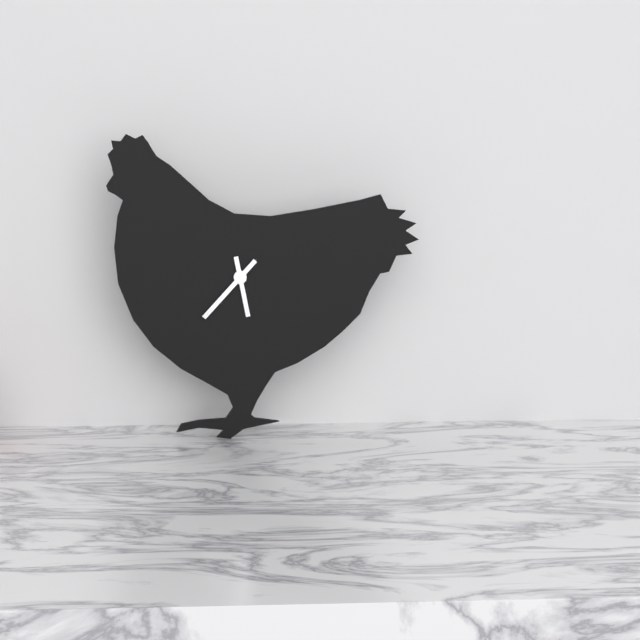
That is h=5 m=37
